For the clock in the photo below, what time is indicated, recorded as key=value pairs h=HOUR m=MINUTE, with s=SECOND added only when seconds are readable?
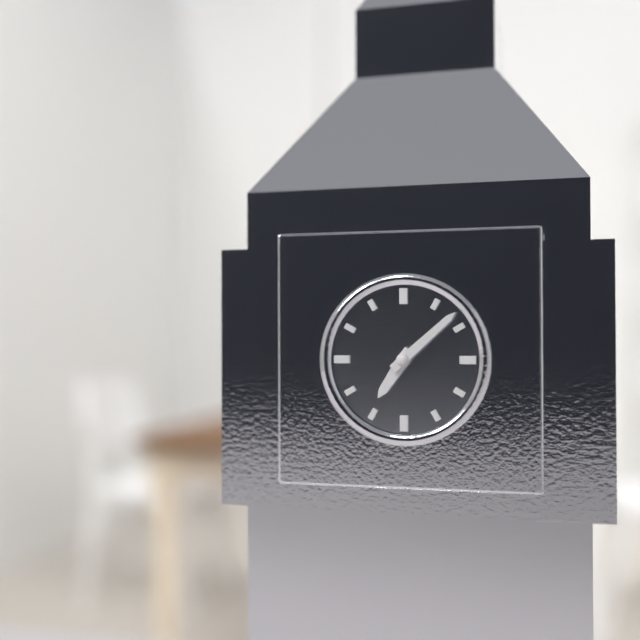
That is h=7 m=8
